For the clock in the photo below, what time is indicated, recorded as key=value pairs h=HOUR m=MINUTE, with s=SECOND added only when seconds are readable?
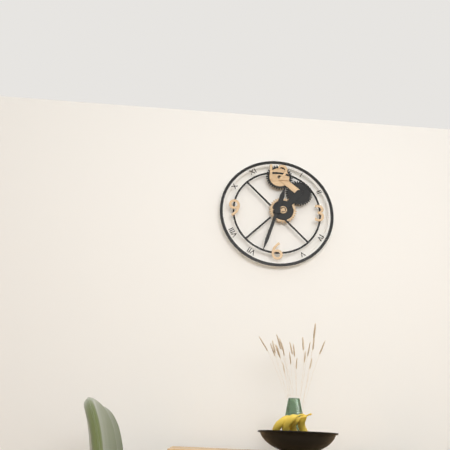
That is h=12 m=33
